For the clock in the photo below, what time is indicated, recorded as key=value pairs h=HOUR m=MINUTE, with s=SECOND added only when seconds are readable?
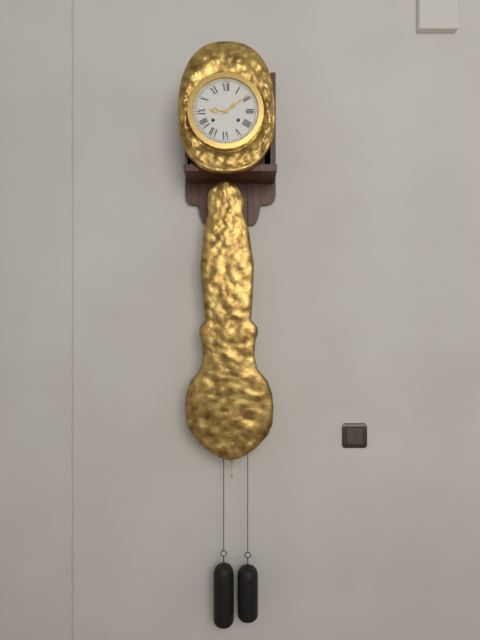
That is h=9 m=9
